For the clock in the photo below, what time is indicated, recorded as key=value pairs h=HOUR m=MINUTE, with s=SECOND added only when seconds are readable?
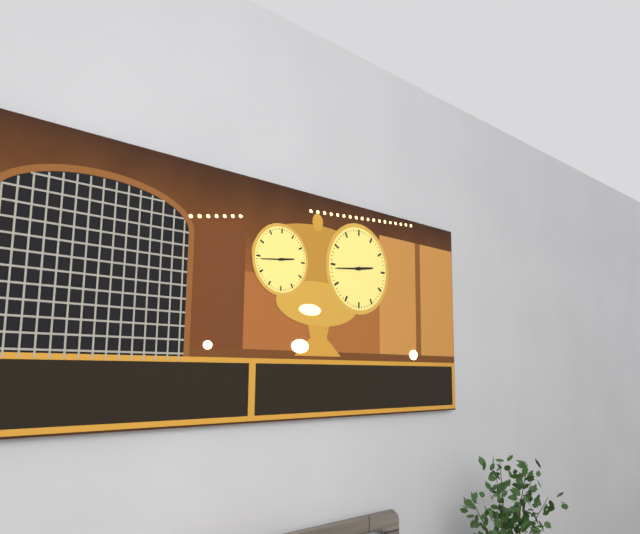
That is h=2 m=44
